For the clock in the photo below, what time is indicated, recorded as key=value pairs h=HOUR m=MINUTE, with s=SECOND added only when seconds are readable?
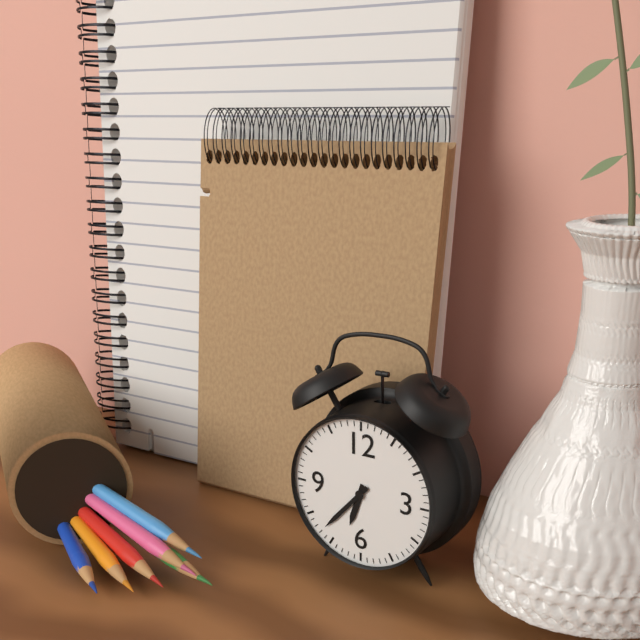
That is h=6 m=37
